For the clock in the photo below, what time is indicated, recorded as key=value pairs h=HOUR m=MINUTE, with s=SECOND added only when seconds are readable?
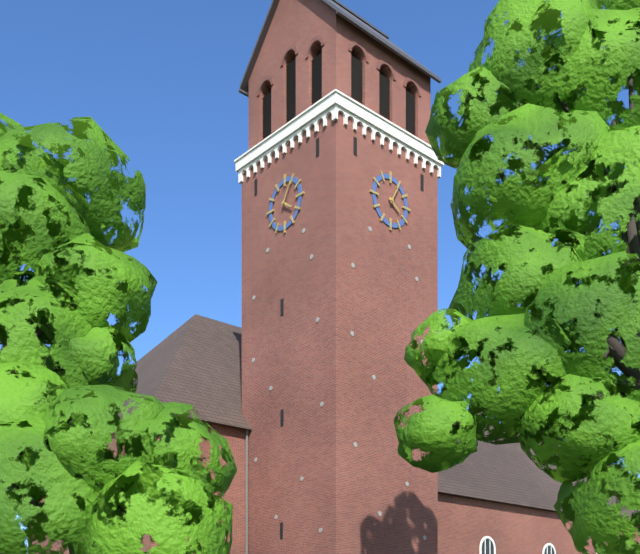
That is h=4 m=5
